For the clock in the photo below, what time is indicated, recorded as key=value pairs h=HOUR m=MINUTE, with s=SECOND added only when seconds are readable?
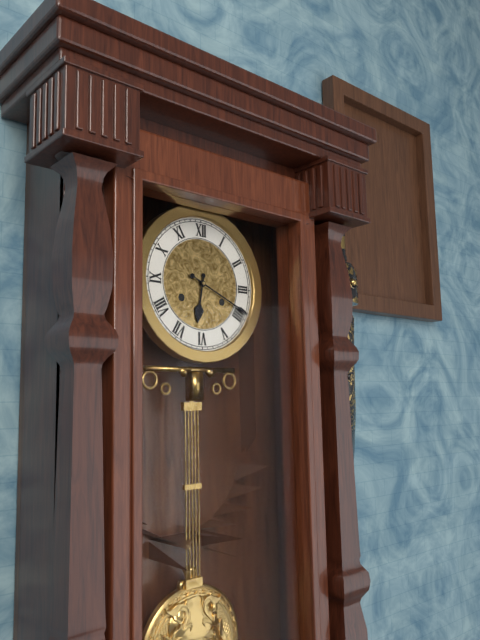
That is h=6 m=19
